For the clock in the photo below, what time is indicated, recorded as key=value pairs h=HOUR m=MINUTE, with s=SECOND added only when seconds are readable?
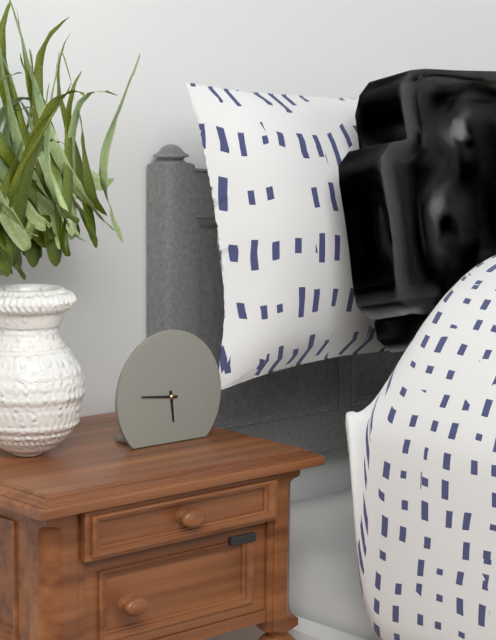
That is h=5 m=46
